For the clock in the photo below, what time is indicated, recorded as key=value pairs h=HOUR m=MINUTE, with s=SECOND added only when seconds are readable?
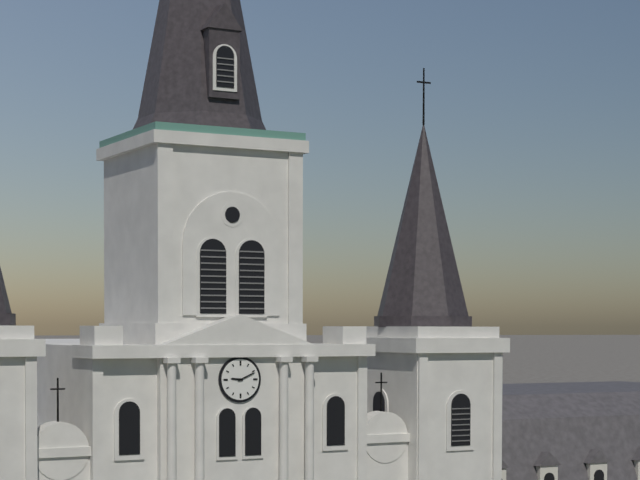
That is h=9 m=11
